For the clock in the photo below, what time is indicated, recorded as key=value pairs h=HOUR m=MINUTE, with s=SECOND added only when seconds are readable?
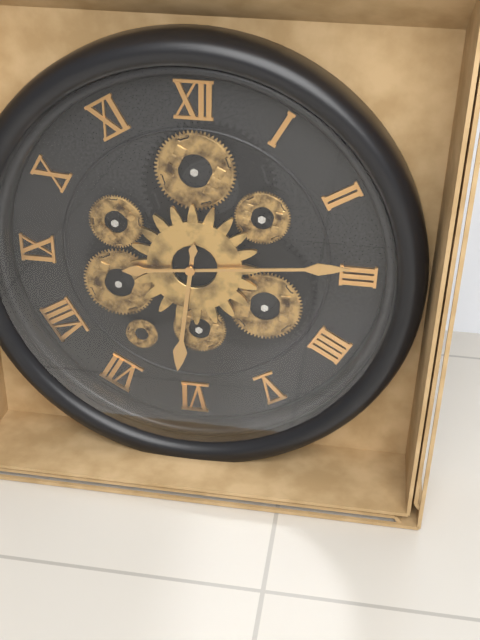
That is h=6 m=14
